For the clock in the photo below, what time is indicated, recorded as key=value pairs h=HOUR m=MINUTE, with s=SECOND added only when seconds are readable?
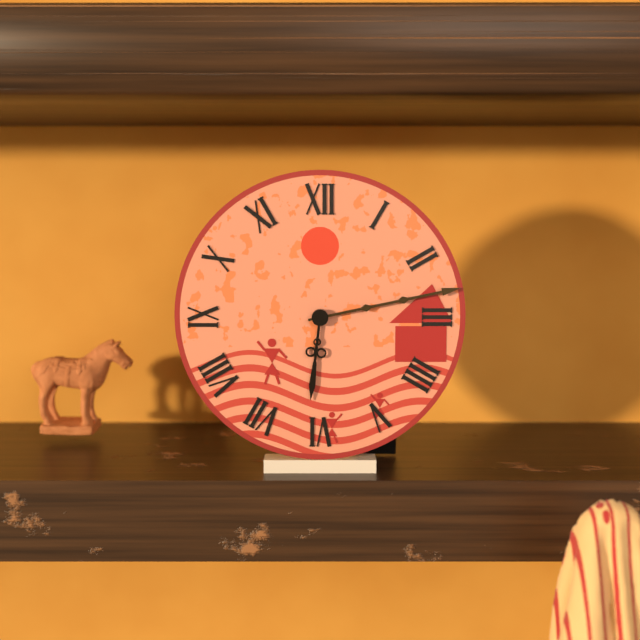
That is h=6 m=13
